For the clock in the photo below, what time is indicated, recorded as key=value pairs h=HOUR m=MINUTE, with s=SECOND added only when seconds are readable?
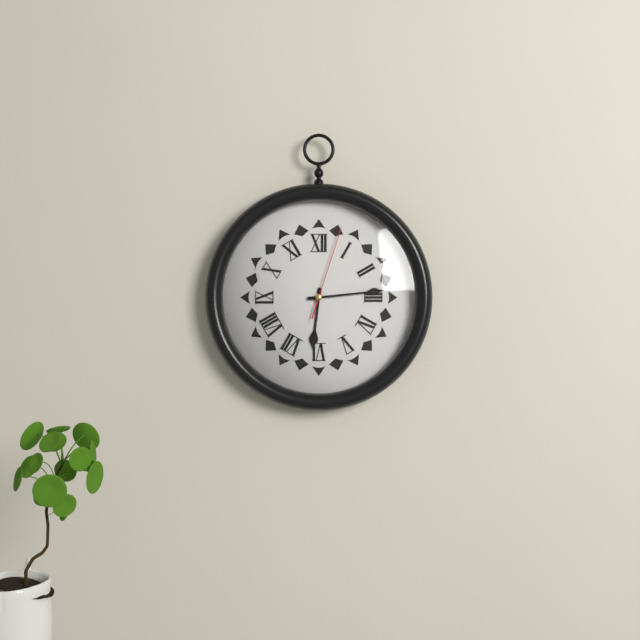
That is h=6 m=14 s=3
